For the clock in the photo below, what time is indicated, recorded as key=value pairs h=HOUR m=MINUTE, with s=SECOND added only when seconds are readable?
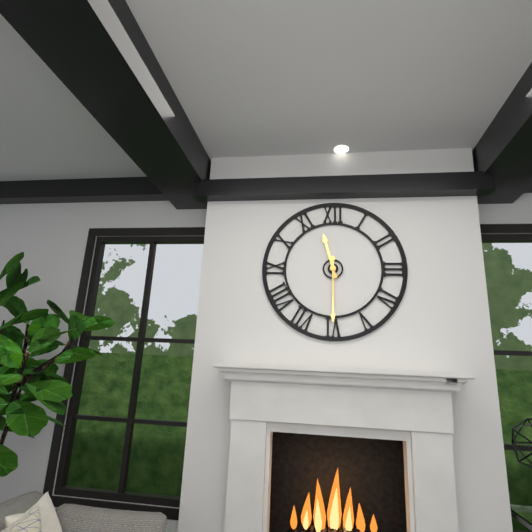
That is h=11 m=30
